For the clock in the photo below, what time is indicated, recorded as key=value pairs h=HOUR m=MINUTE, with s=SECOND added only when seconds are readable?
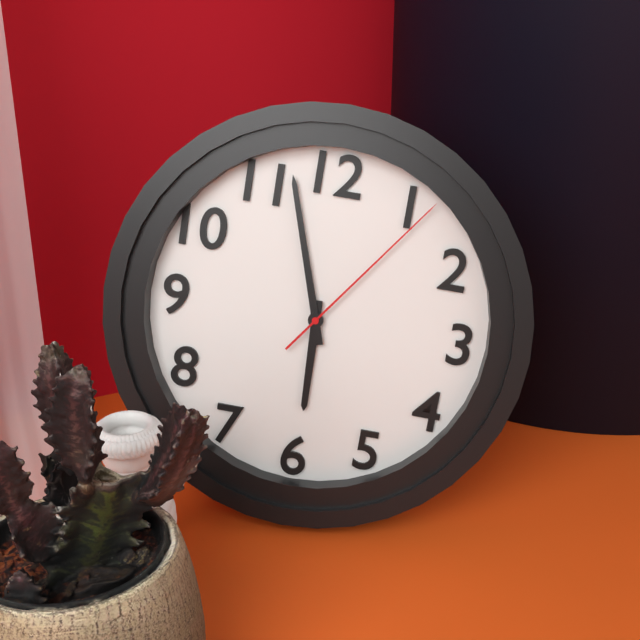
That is h=5 m=57 s=6
